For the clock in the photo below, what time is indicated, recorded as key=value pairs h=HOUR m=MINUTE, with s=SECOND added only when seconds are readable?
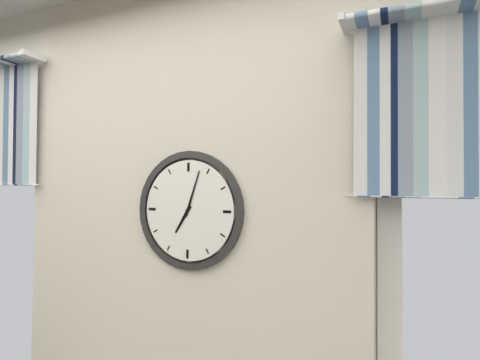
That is h=7 m=3
